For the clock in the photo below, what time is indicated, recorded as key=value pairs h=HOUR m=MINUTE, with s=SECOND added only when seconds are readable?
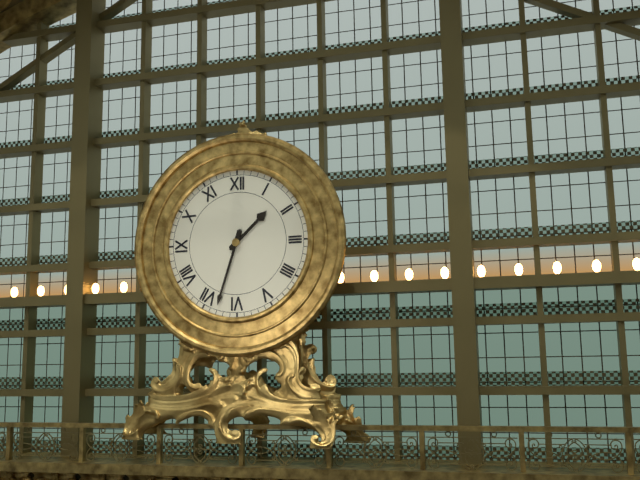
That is h=1 m=33
